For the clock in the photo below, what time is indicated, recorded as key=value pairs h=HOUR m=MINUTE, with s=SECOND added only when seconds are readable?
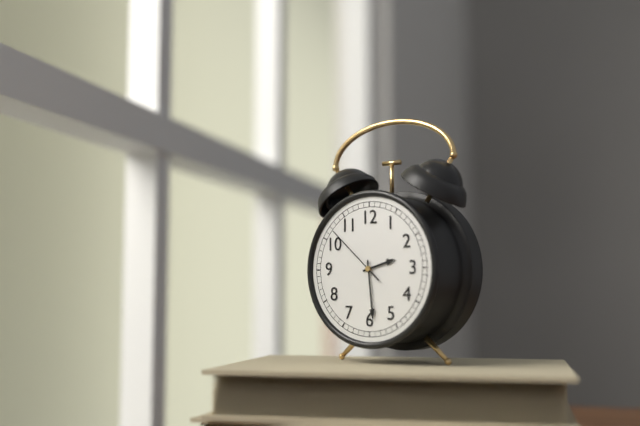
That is h=2 m=29 s=52
